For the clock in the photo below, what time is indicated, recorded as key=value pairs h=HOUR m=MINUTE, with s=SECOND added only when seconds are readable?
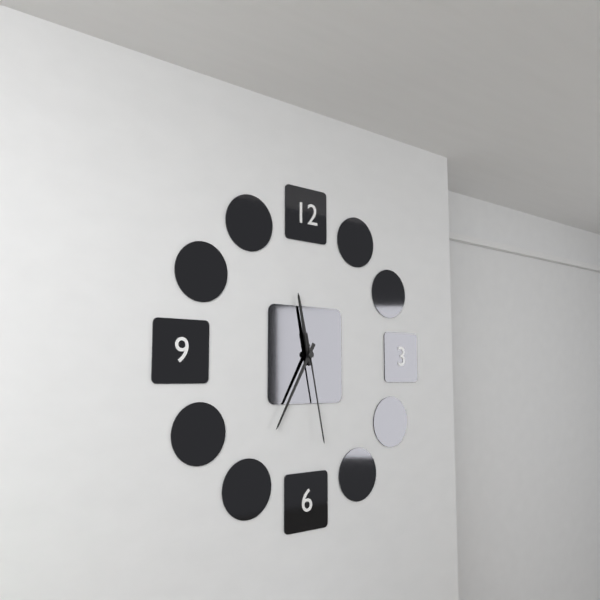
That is h=11 m=35 s=28
